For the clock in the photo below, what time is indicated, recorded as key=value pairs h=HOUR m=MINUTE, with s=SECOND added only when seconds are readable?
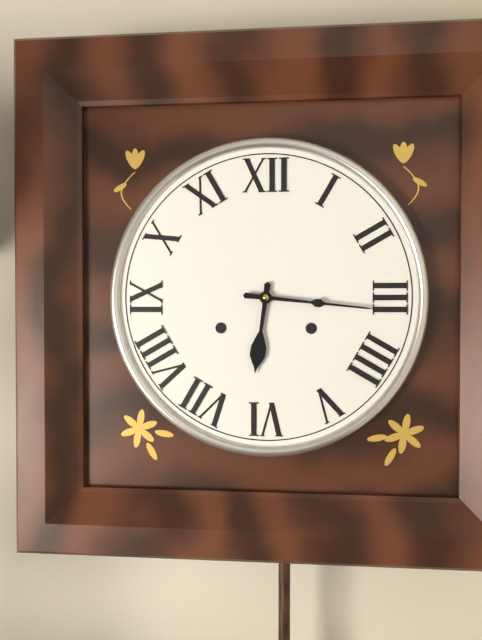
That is h=6 m=16
